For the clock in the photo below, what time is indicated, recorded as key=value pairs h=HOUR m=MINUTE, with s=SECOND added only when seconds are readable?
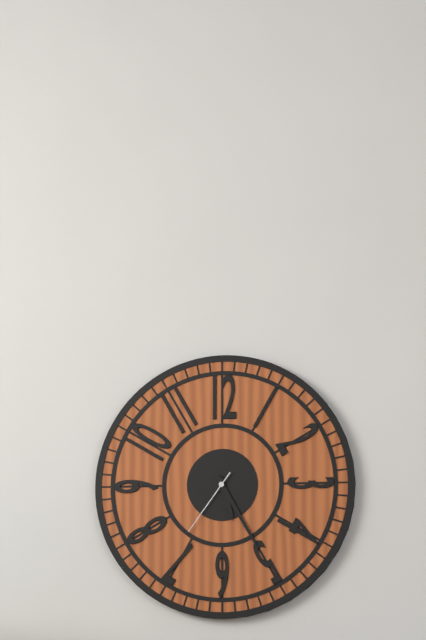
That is h=5 m=25 s=36
